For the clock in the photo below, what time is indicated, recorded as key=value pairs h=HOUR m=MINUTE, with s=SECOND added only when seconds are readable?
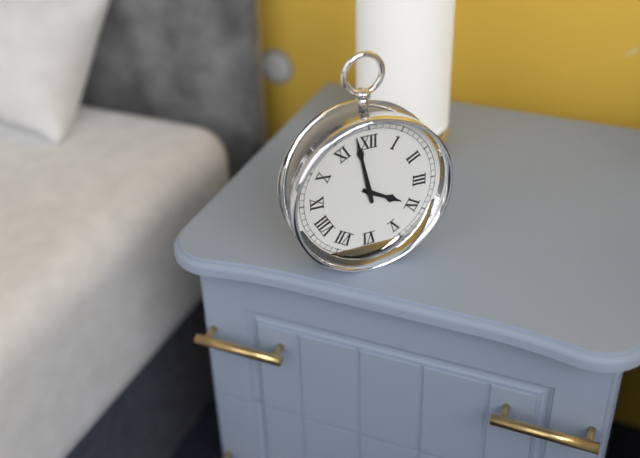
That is h=3 m=58
